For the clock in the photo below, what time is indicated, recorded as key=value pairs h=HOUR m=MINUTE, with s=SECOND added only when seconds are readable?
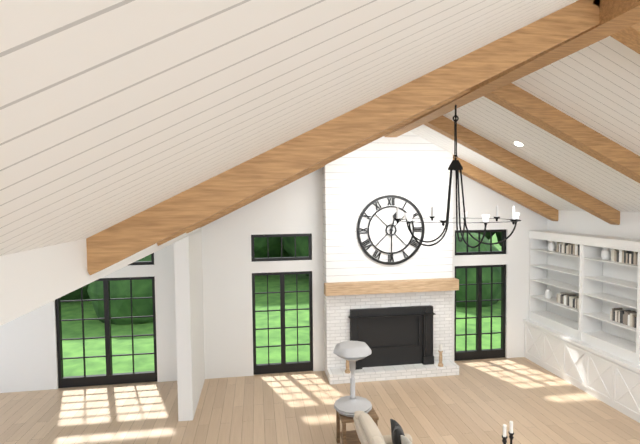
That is h=12 m=30
